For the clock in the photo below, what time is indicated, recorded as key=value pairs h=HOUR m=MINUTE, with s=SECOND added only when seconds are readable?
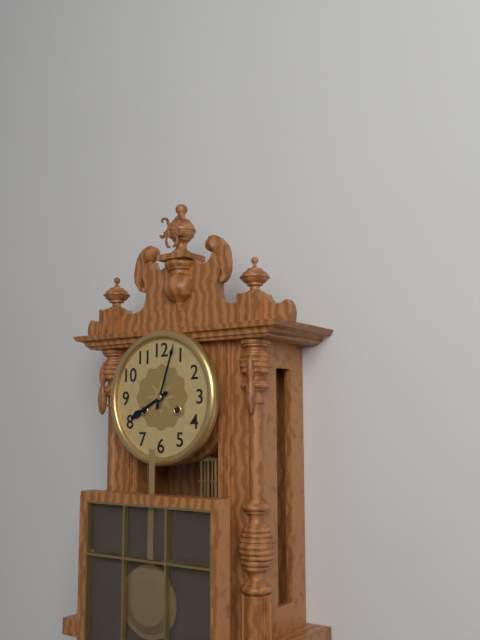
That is h=8 m=3
